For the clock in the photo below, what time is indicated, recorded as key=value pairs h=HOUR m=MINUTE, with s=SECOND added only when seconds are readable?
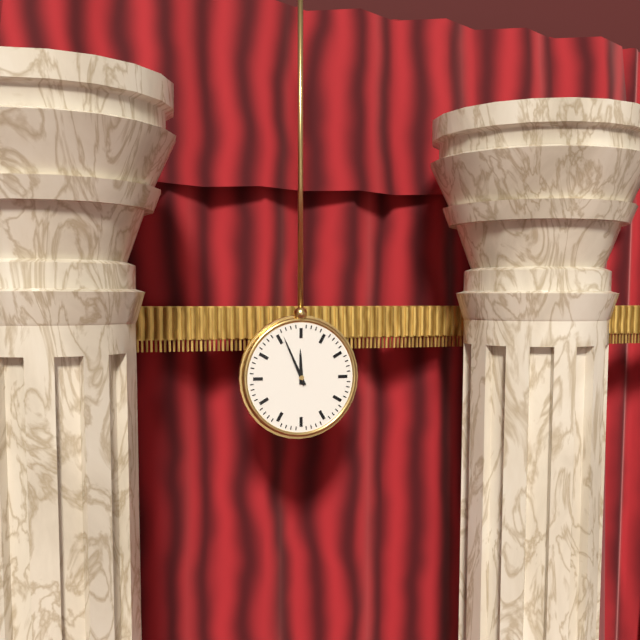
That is h=11 m=56
